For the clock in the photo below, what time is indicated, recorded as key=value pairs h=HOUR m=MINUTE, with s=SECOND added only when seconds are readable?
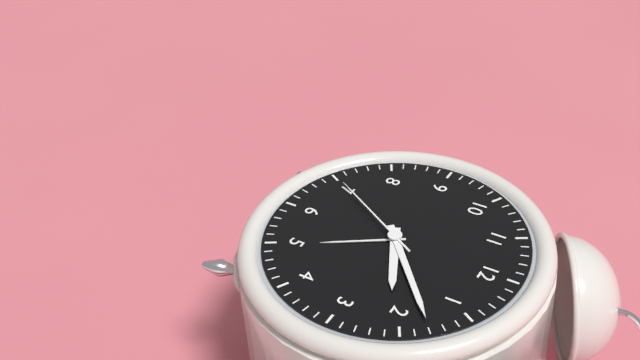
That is h=2 m=8 s=35
